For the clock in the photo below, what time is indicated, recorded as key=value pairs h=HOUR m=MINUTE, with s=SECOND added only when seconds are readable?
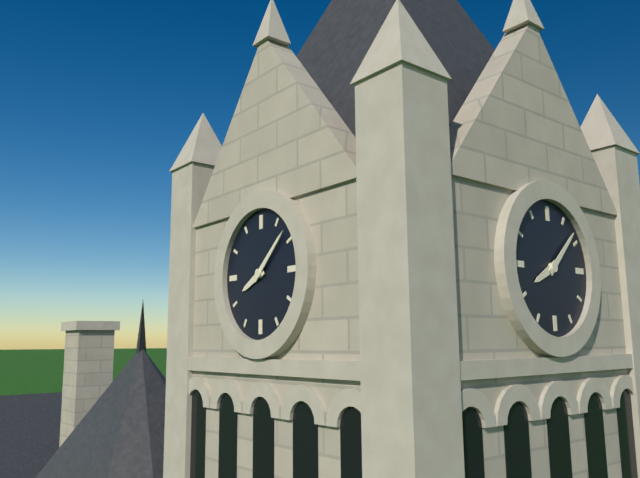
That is h=8 m=8
